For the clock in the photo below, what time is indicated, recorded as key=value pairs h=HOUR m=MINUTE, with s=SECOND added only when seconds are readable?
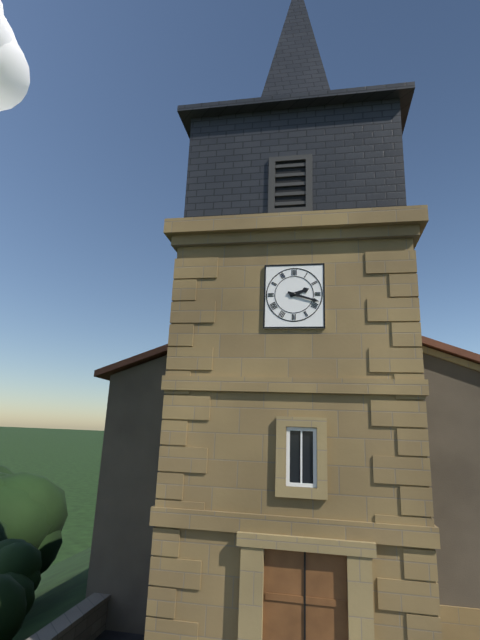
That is h=2 m=18
